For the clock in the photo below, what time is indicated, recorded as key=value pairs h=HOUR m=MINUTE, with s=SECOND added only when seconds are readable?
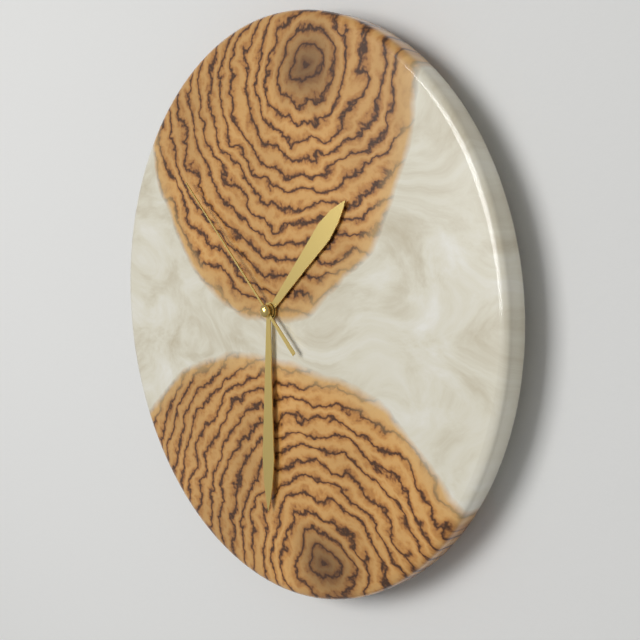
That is h=1 m=30 s=52
